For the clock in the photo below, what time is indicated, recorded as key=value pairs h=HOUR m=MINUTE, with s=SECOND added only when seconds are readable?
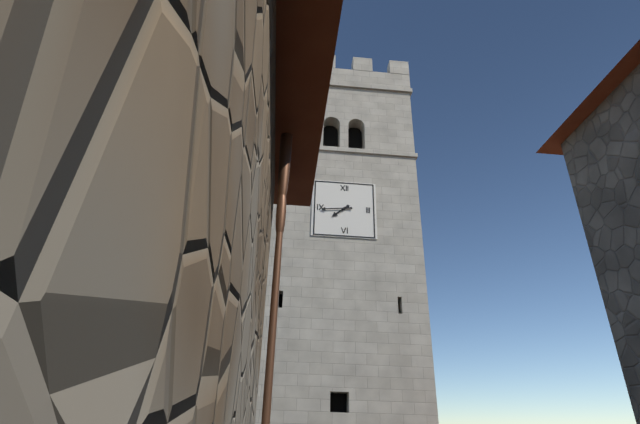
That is h=7 m=44
